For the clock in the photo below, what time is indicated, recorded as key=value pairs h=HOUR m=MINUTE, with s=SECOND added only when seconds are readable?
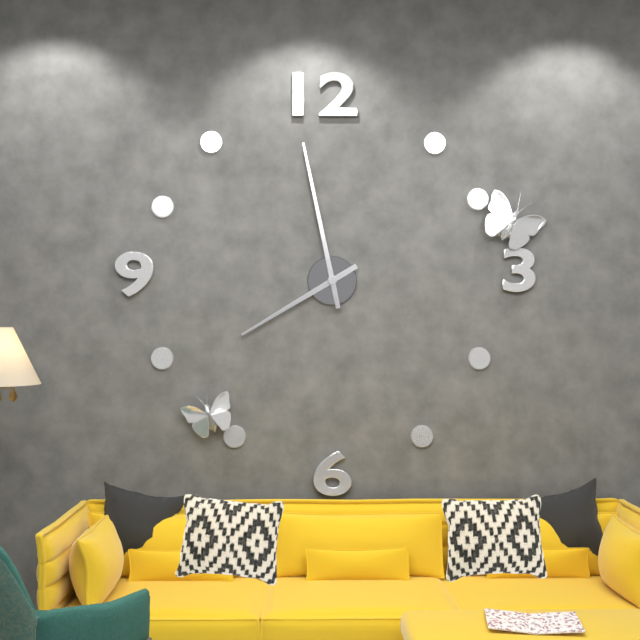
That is h=7 m=58
